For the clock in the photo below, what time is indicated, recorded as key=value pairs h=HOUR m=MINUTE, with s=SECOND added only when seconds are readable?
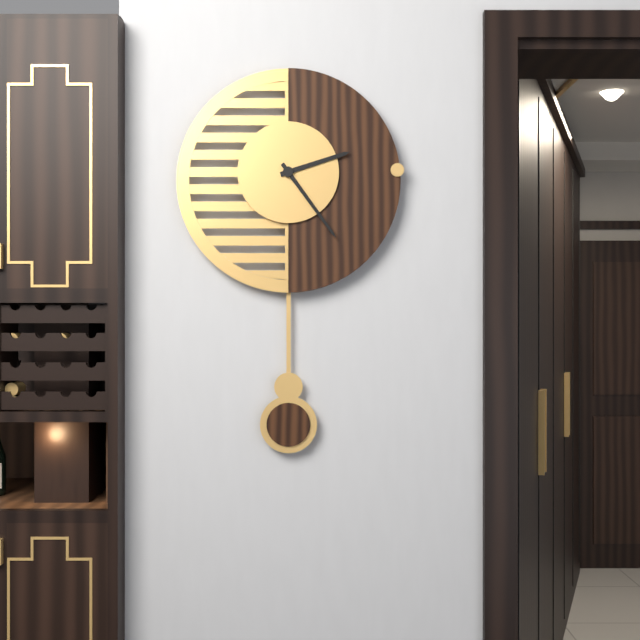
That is h=2 m=24
